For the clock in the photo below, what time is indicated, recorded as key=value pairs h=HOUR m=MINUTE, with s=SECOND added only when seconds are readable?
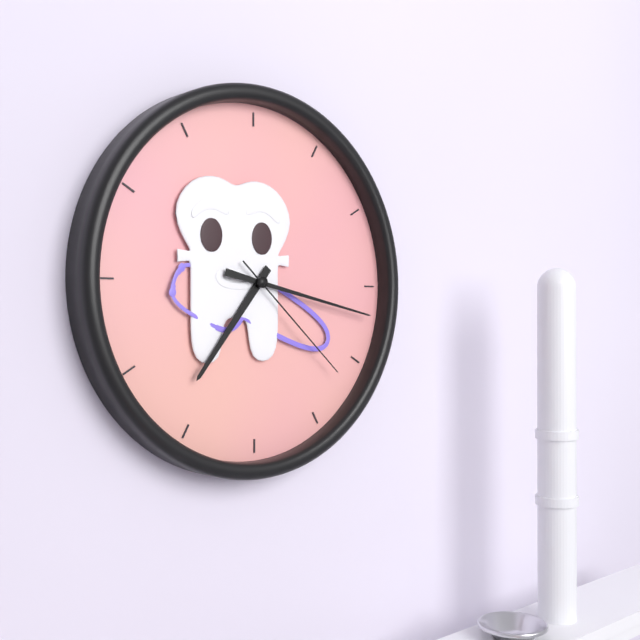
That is h=7 m=17 s=22
